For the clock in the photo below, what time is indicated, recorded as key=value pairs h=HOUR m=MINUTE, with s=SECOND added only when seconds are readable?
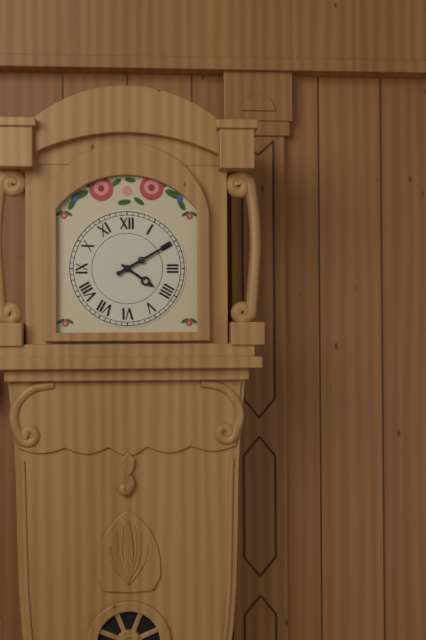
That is h=4 m=10
